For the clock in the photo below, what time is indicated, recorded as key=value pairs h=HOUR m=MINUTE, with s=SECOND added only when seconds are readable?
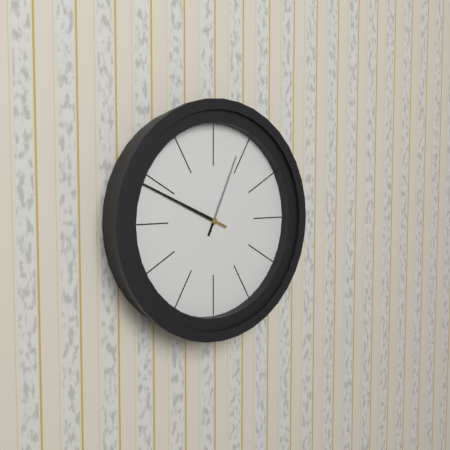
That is h=12 m=49
